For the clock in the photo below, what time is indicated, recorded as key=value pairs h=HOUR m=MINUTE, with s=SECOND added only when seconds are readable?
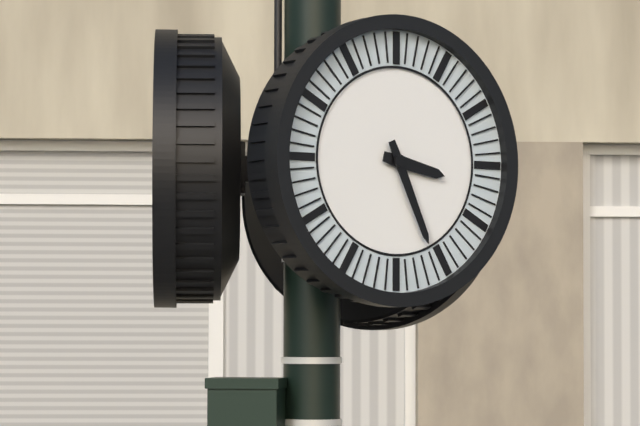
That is h=3 m=26
